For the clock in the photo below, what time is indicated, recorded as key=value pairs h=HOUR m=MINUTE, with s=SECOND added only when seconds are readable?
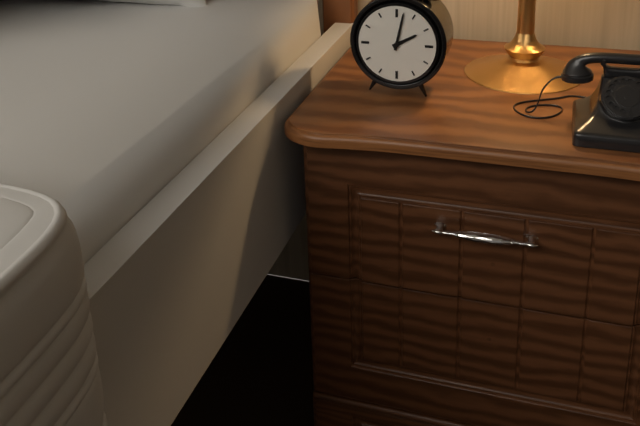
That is h=2 m=2
